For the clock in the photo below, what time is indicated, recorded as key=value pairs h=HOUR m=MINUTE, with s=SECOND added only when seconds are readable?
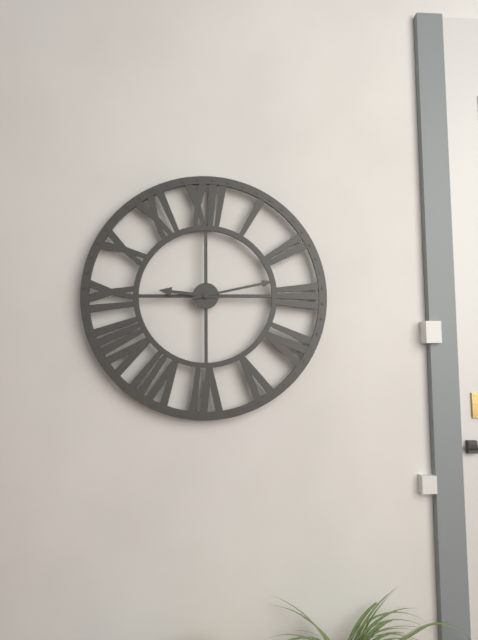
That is h=9 m=13
